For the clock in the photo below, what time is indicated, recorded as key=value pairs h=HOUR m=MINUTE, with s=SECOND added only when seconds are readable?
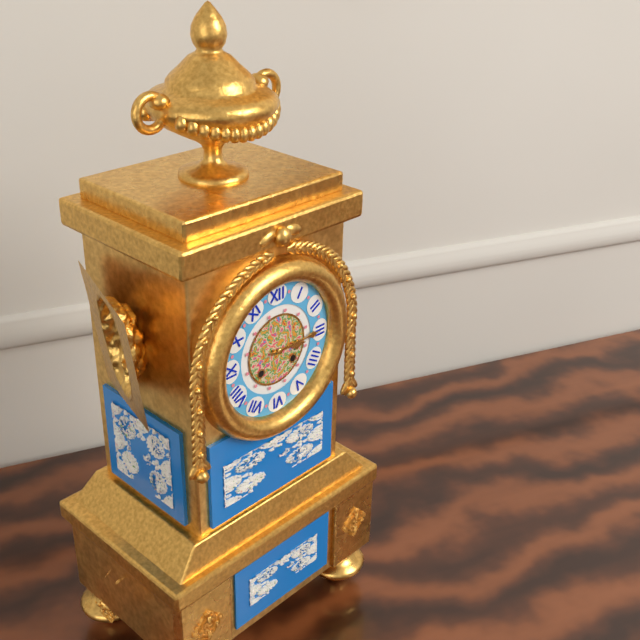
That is h=3 m=15
